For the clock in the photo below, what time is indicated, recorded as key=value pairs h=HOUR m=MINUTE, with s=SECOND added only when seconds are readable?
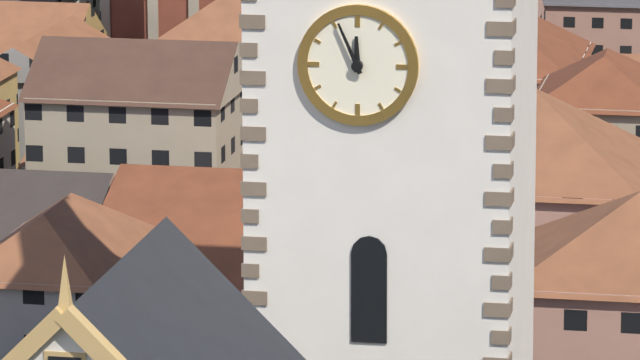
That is h=11 m=56
